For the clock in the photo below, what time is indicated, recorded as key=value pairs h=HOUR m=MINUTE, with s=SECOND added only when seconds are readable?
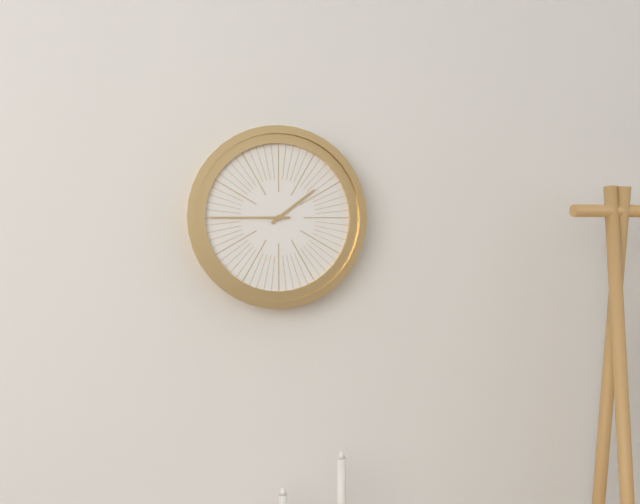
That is h=1 m=45
